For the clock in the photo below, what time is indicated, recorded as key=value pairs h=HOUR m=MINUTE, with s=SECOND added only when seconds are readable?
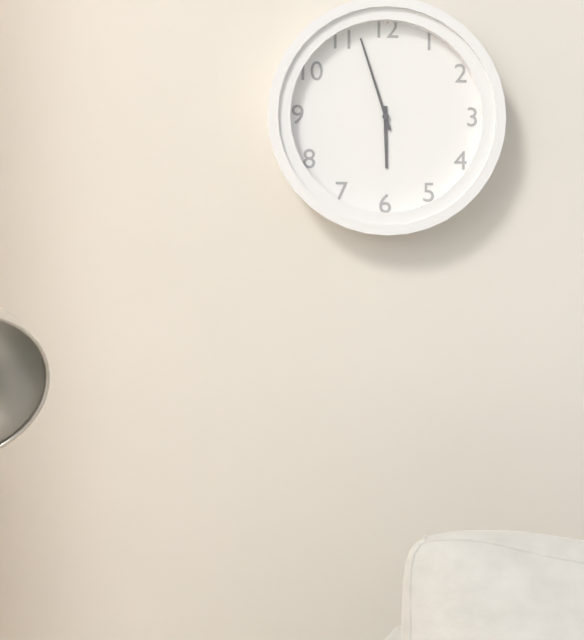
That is h=5 m=57
